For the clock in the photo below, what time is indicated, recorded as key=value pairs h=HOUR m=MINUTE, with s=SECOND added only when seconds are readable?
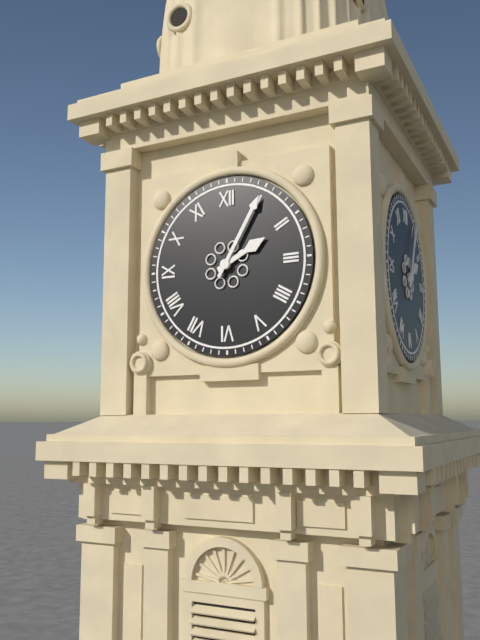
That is h=2 m=5
